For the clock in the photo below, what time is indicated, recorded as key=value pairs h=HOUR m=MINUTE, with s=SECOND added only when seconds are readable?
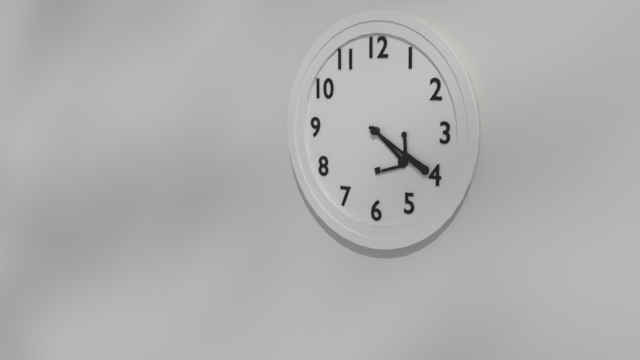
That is h=4 m=20
